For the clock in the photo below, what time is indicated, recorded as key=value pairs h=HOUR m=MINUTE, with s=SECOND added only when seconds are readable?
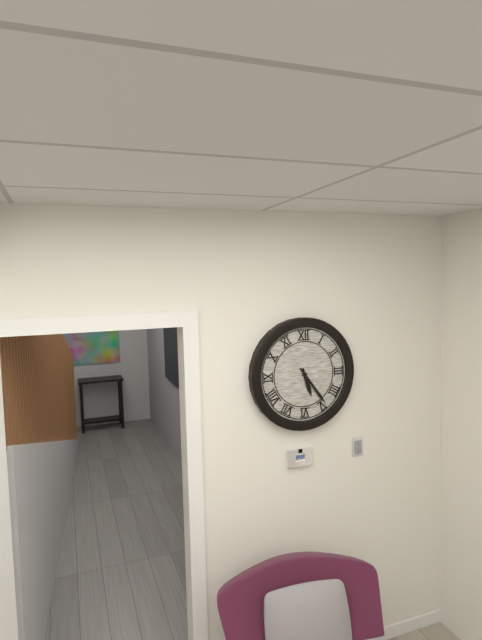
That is h=5 m=24
